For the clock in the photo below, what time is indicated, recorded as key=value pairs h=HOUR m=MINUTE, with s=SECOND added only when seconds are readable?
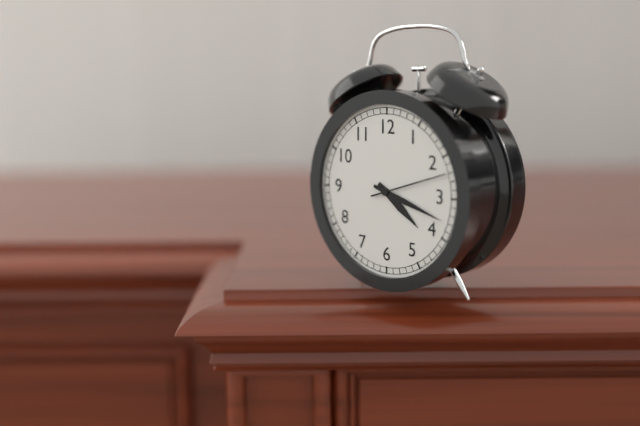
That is h=4 m=18 s=12
